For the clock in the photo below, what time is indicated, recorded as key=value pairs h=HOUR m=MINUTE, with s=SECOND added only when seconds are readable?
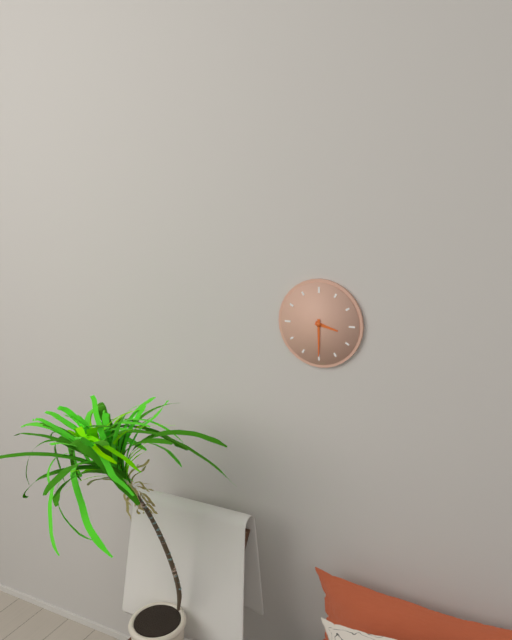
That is h=3 m=30
